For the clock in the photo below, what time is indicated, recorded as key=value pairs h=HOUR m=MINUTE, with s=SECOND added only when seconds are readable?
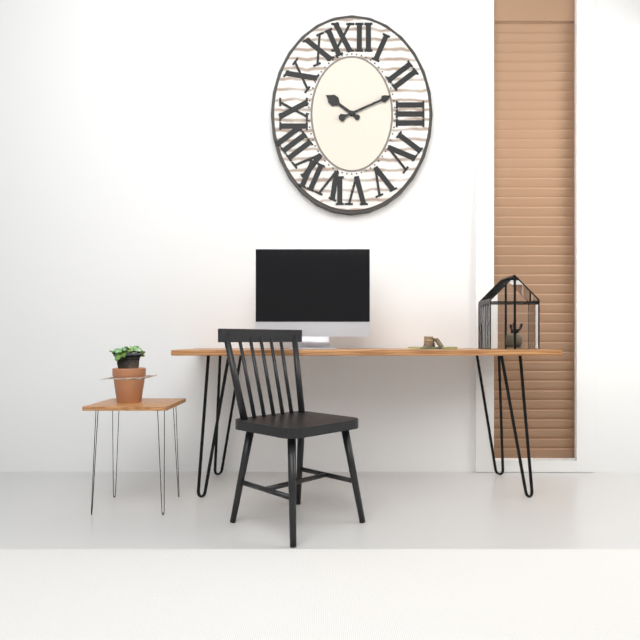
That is h=10 m=11
